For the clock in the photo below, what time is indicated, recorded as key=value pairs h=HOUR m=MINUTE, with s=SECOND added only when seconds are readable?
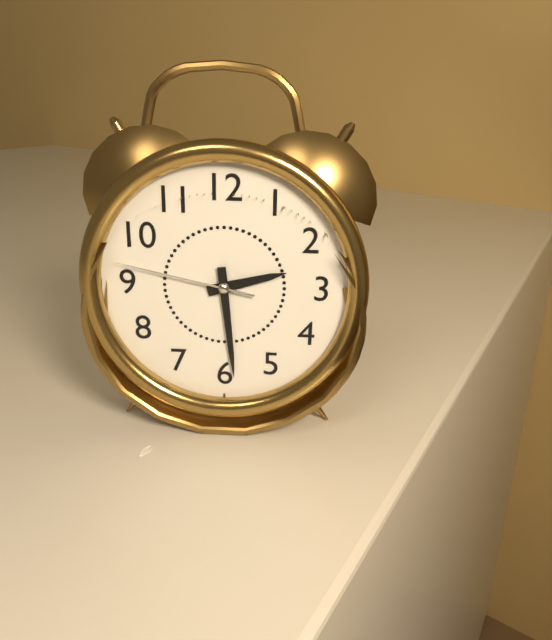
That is h=2 m=29 s=47
